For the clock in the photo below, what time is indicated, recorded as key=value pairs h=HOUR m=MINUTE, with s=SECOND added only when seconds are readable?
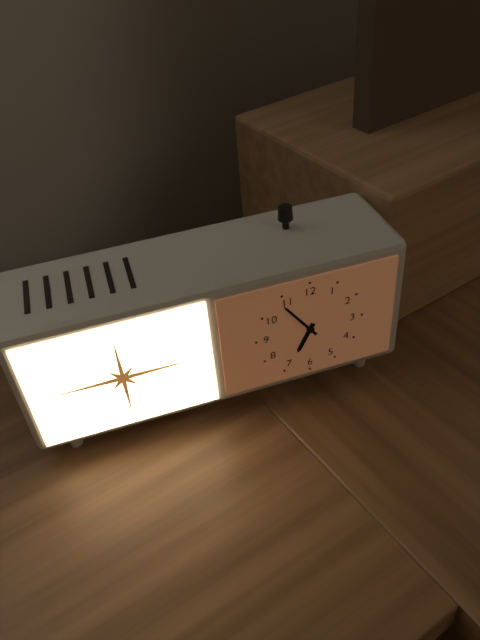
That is h=6 m=54
